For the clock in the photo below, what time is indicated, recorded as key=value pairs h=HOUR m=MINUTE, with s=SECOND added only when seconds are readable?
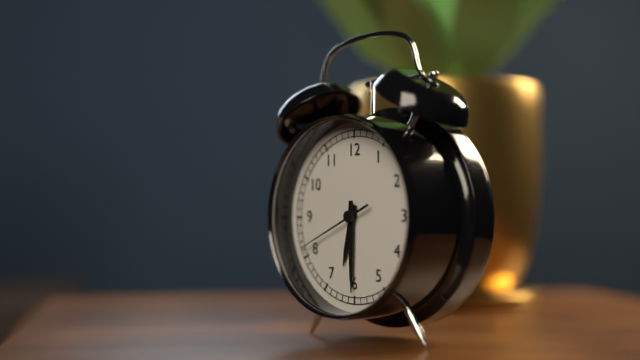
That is h=6 m=30 s=41
